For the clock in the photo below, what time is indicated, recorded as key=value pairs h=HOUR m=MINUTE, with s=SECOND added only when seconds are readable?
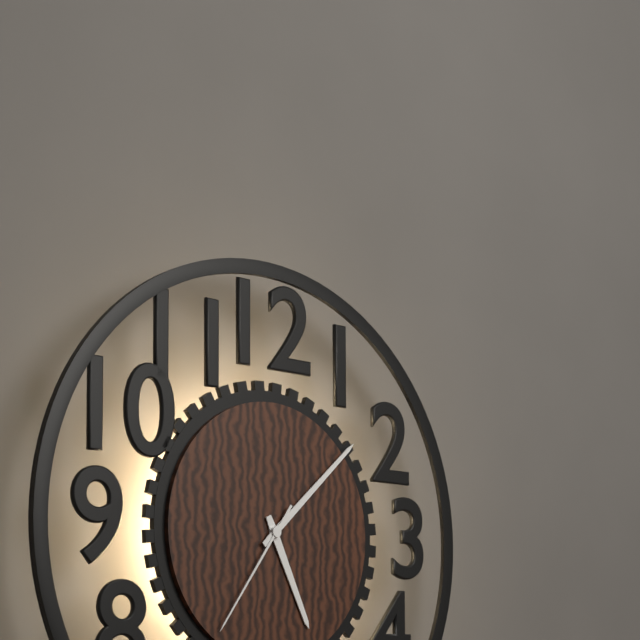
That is h=5 m=8 s=36
